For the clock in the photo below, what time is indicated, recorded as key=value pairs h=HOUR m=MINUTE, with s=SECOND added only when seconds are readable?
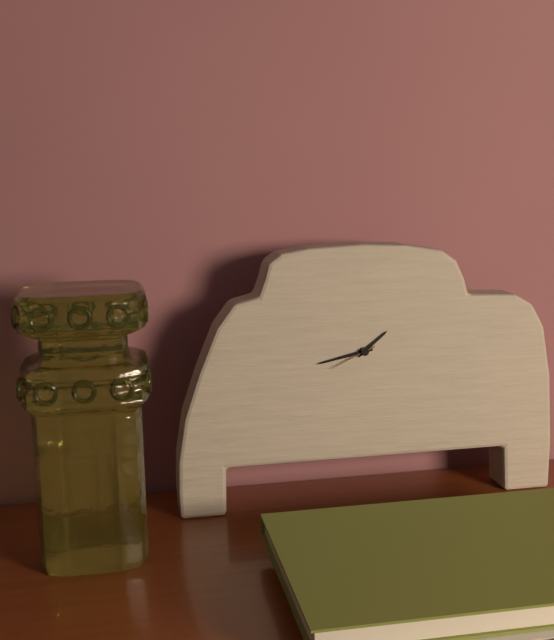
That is h=1 m=43
